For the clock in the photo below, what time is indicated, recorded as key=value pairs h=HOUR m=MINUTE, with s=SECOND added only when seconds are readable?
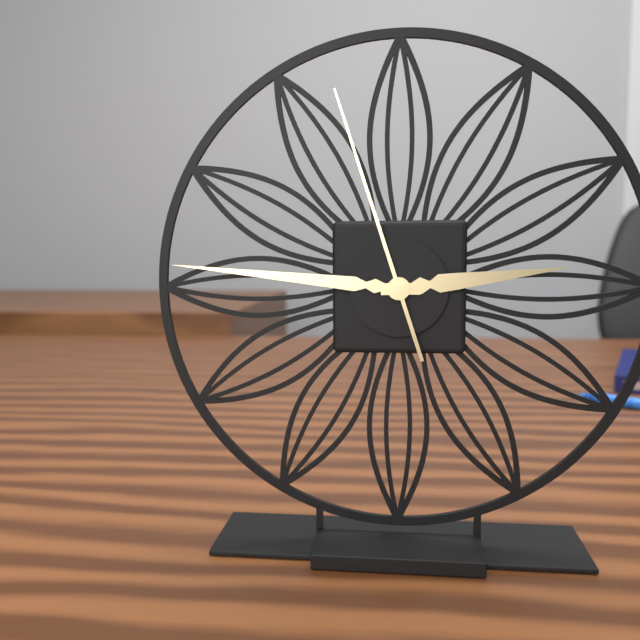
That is h=2 m=46 s=57
